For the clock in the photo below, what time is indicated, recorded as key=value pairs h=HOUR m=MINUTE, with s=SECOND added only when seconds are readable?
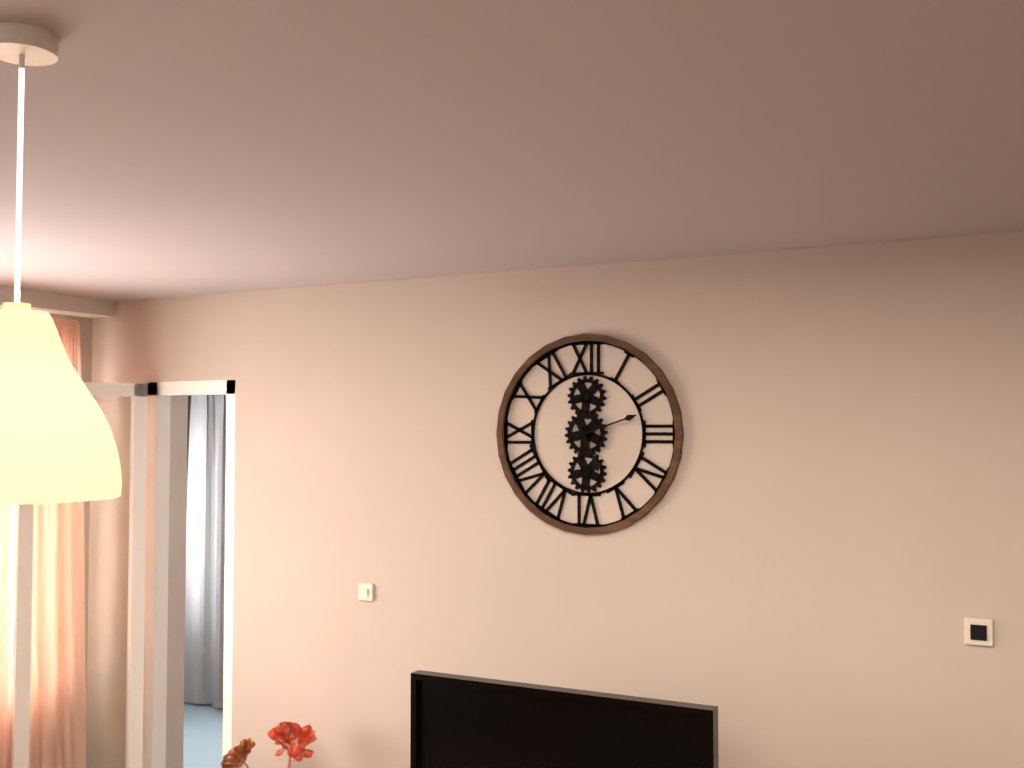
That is h=5 m=12
